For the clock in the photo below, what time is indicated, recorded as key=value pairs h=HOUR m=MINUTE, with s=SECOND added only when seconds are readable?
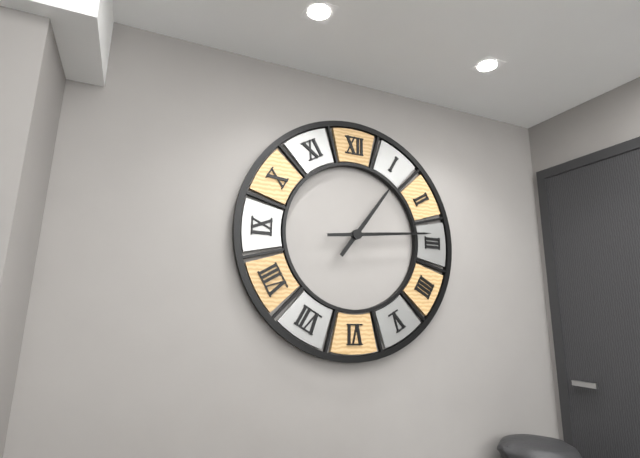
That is h=1 m=14
